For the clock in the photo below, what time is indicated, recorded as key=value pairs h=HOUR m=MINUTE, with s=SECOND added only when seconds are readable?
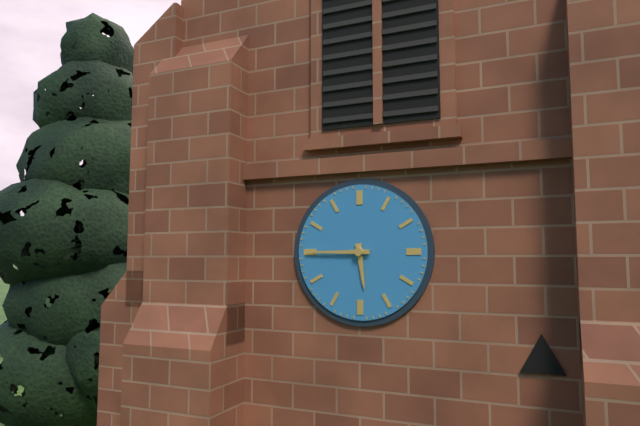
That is h=5 m=45
